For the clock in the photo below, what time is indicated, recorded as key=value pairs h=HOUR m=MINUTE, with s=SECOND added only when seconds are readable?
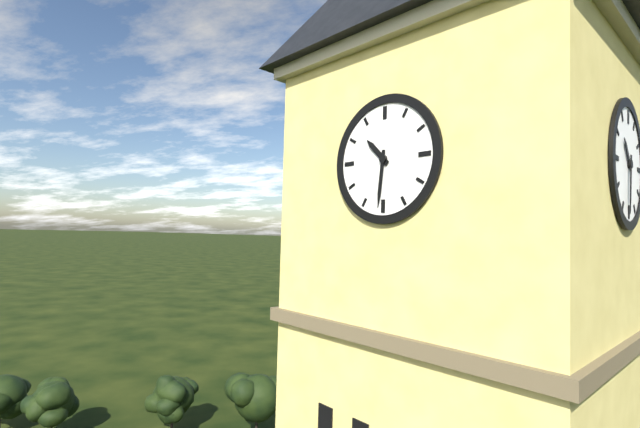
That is h=10 m=31
